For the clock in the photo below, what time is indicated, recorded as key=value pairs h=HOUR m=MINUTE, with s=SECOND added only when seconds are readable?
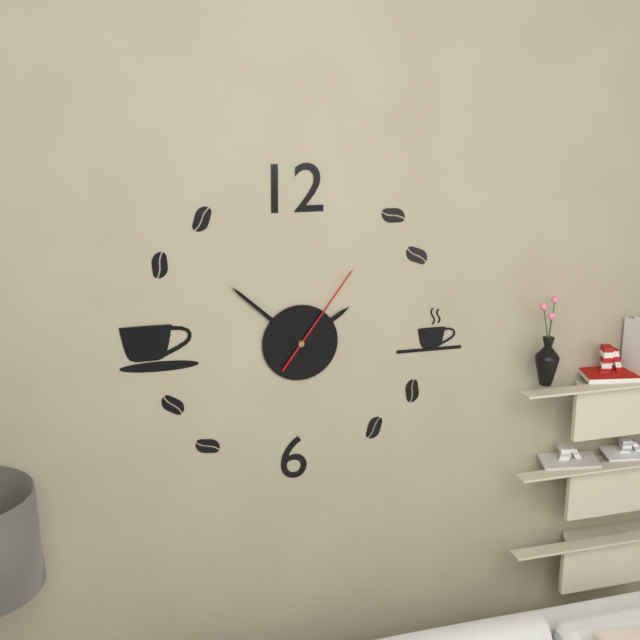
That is h=1 m=52 s=6
